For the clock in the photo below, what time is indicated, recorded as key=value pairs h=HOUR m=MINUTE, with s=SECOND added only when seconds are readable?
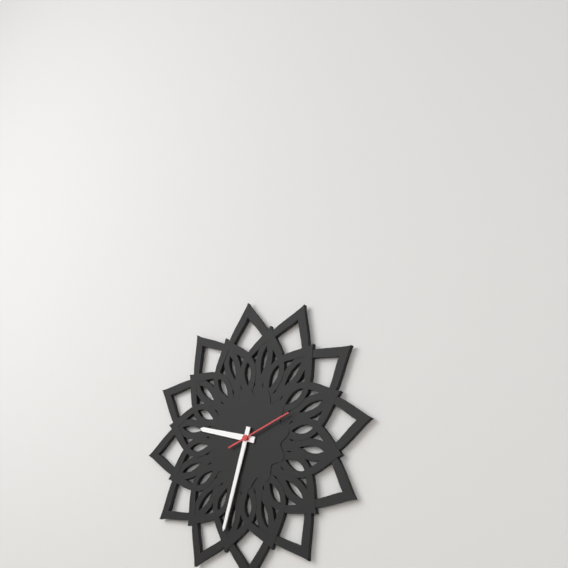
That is h=9 m=33 s=12
